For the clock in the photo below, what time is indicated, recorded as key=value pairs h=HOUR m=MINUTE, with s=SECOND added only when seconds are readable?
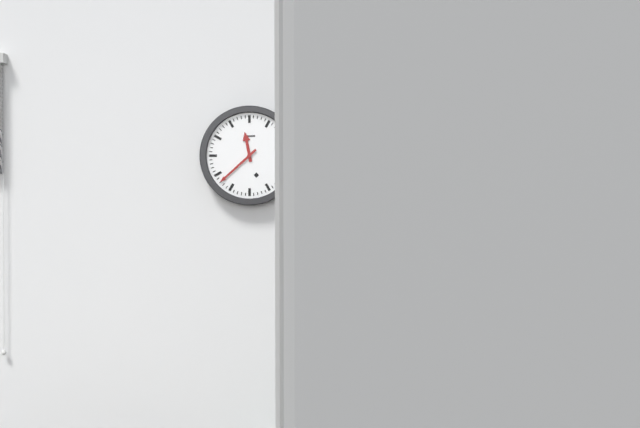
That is h=11 m=38
